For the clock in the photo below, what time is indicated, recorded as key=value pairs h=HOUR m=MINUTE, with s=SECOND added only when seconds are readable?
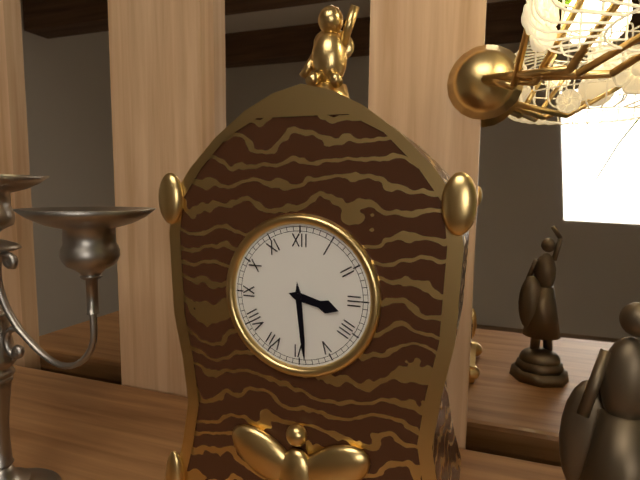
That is h=3 m=29
